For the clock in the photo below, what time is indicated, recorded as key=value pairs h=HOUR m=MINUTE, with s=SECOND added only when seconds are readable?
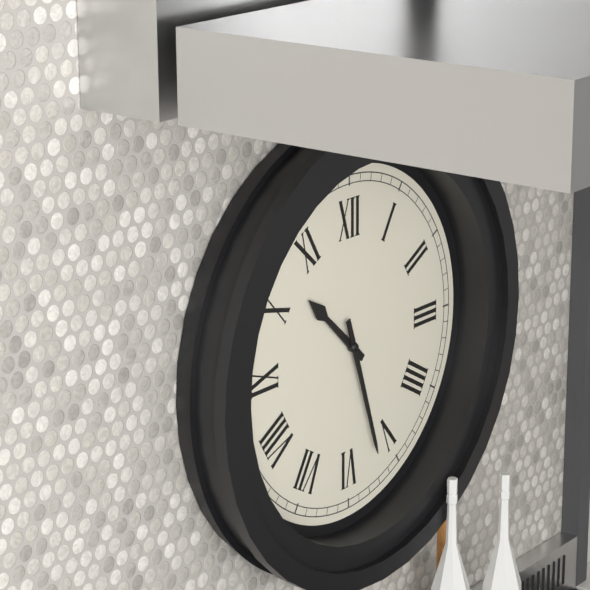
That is h=10 m=27
